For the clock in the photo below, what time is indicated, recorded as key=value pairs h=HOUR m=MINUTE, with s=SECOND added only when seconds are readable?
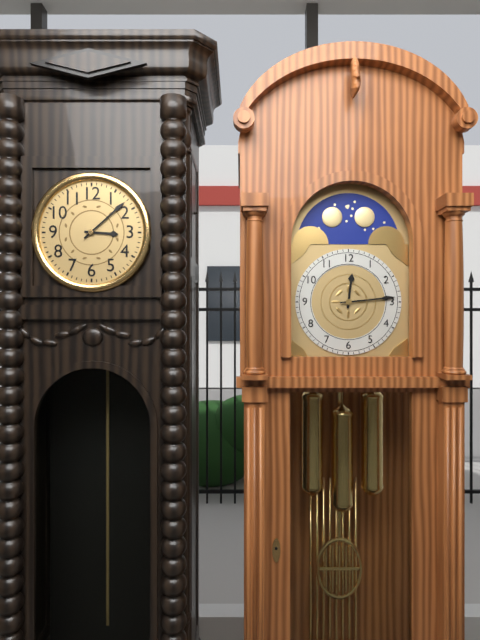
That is h=3 m=8
